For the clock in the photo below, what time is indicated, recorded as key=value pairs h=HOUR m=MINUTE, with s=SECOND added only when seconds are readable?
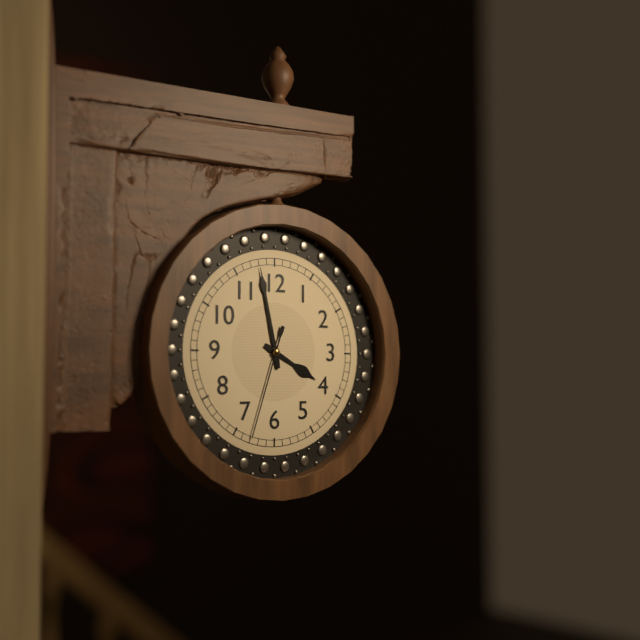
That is h=3 m=58 s=33
